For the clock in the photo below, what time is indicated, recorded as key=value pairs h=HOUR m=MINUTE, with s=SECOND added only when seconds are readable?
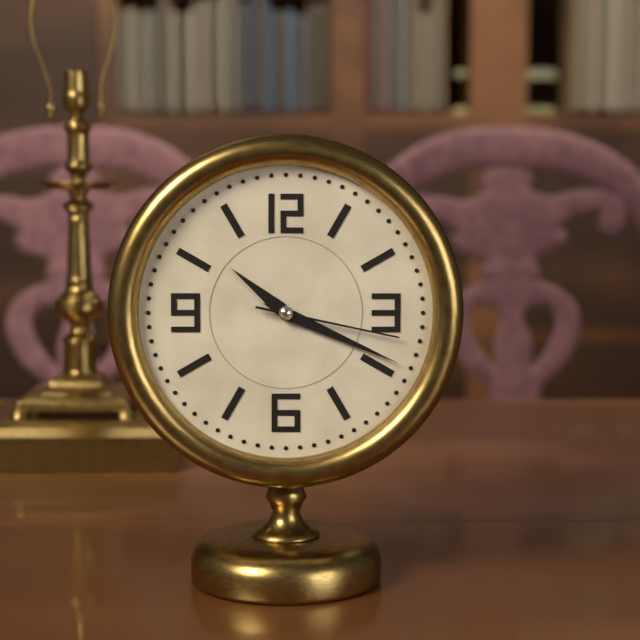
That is h=10 m=19 s=17
